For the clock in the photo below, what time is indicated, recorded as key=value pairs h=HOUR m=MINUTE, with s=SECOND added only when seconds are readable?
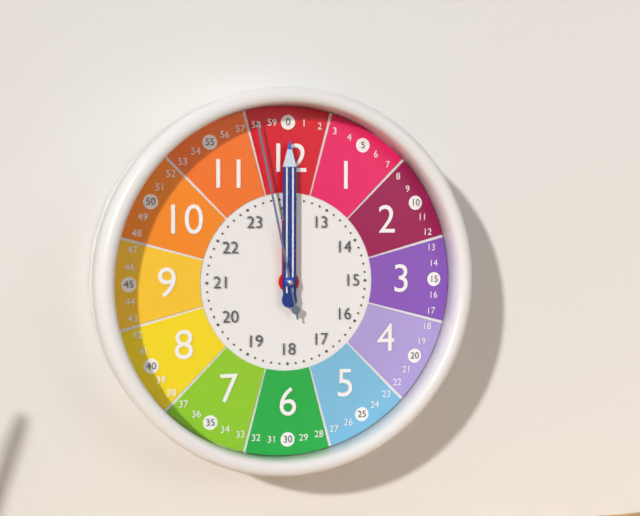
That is h=12 m=0 s=58
